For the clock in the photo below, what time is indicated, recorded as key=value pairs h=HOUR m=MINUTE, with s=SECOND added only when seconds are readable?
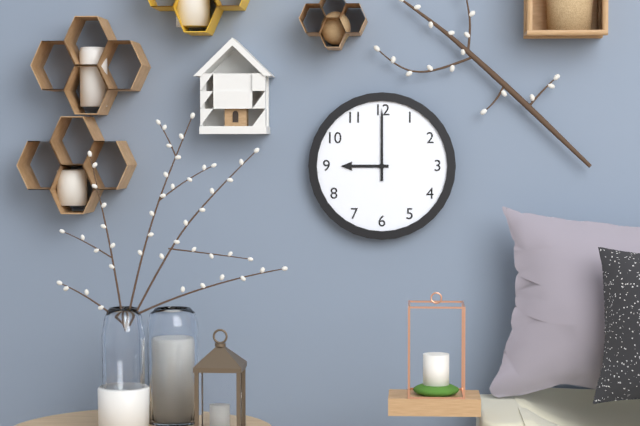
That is h=9 m=0
